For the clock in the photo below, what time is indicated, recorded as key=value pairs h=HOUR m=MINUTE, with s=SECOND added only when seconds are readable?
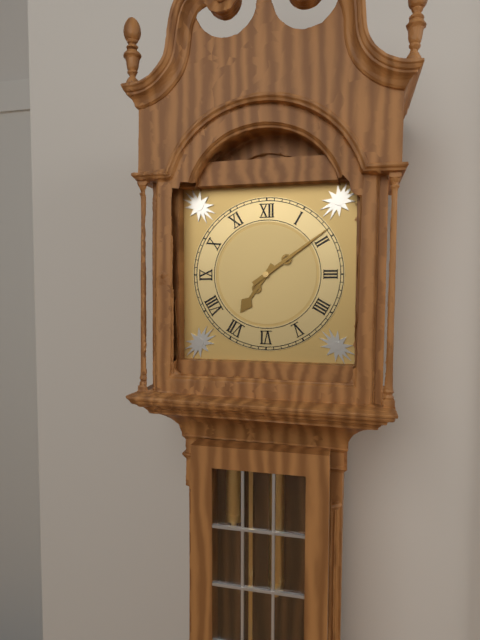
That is h=7 m=9
